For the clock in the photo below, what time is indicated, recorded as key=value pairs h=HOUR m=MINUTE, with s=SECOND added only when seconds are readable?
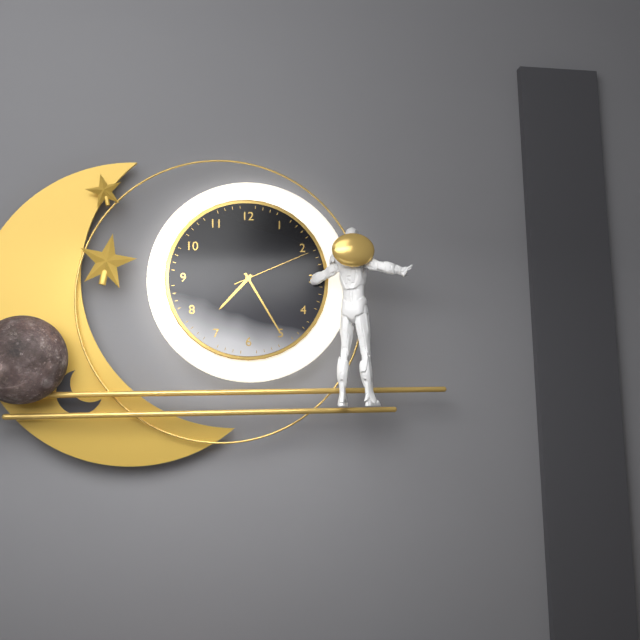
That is h=7 m=25 s=11
